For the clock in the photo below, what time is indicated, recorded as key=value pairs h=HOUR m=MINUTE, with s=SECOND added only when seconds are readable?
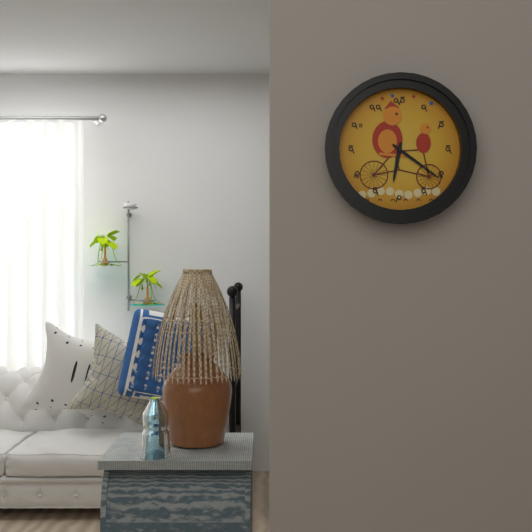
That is h=6 m=21
